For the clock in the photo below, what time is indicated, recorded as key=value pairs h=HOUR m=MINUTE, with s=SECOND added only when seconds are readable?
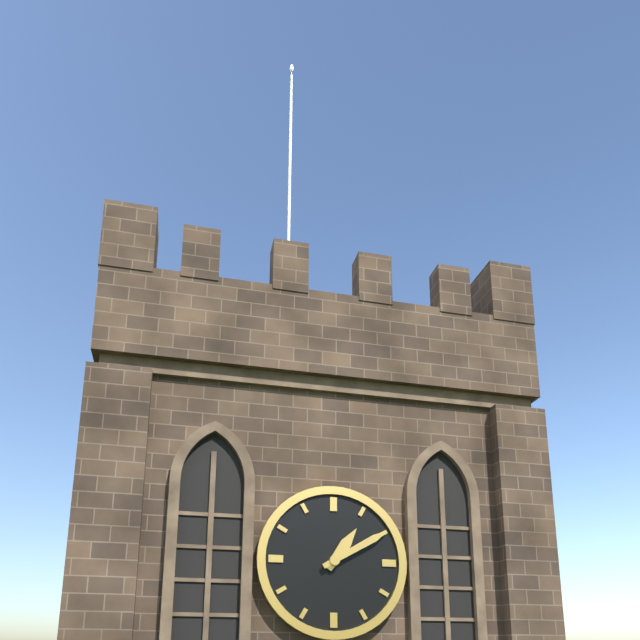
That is h=1 m=10
